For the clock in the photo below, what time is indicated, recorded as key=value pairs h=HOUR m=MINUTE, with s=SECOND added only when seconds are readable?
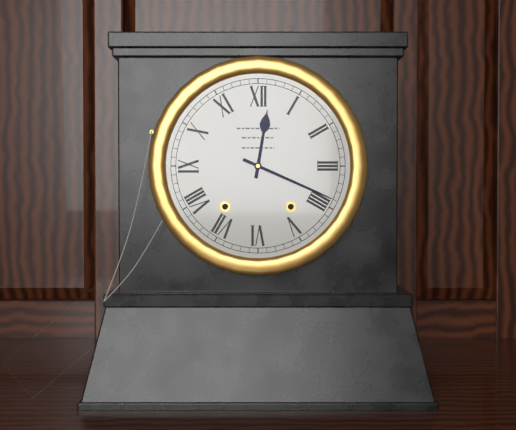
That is h=12 m=19
